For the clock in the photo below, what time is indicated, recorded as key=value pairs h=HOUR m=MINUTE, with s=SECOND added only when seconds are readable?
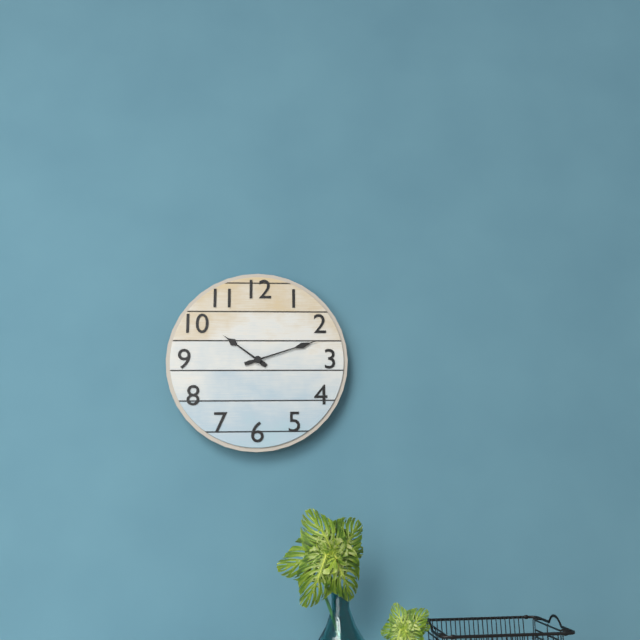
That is h=10 m=12
